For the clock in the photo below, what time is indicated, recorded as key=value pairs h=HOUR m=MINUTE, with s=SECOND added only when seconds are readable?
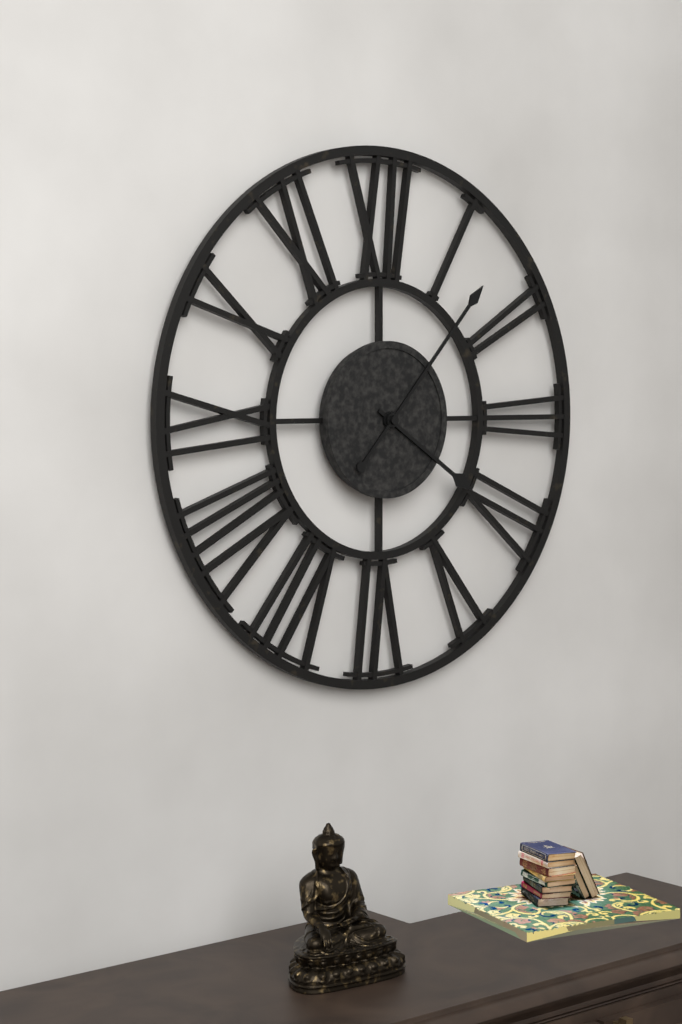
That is h=4 m=7
